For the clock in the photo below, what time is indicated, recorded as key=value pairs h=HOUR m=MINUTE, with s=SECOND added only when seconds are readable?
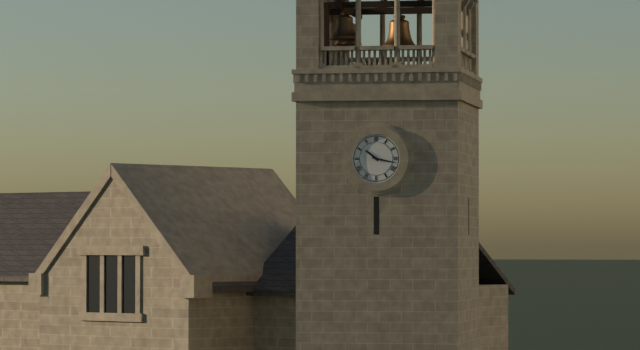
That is h=10 m=17
